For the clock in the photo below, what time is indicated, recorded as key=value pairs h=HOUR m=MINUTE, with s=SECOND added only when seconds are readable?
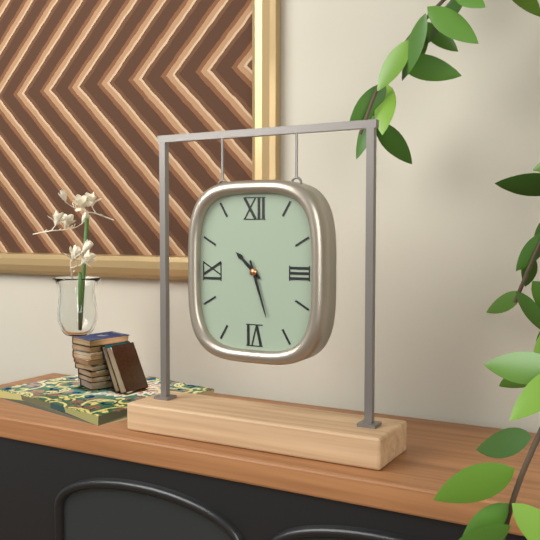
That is h=10 m=27
